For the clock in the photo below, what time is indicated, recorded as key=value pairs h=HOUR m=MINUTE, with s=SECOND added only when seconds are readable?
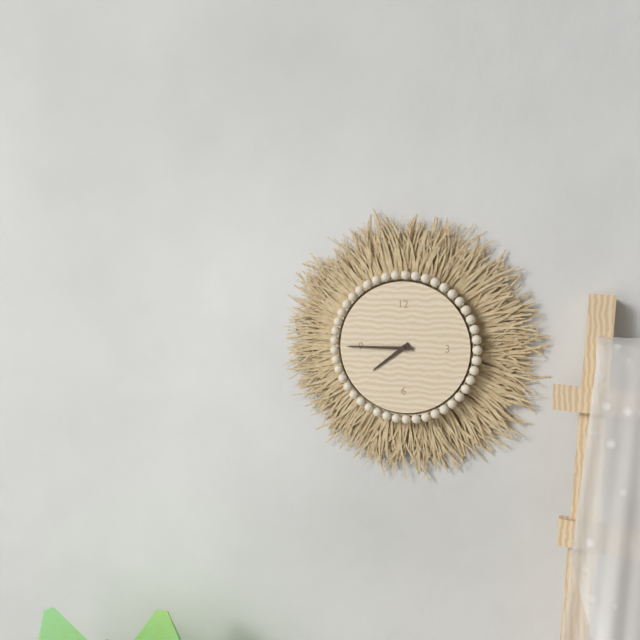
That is h=7 m=45
